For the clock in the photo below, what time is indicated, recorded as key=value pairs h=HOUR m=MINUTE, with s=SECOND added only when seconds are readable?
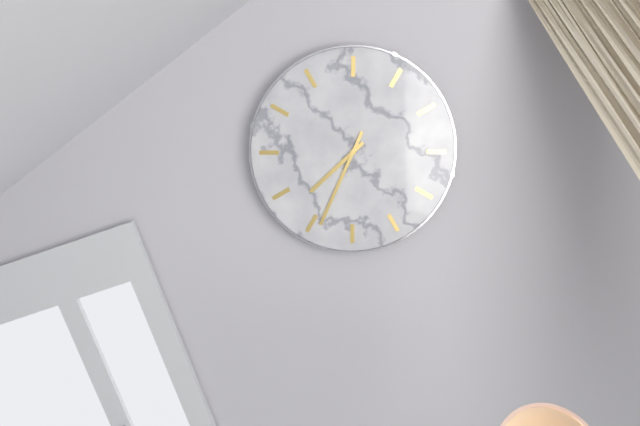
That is h=7 m=34
